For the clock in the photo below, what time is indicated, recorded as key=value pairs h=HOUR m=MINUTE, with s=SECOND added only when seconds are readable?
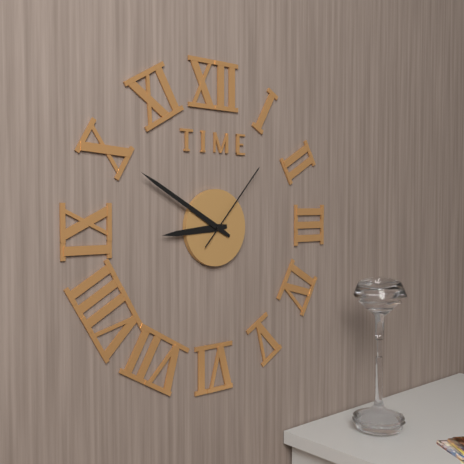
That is h=8 m=50 s=7
